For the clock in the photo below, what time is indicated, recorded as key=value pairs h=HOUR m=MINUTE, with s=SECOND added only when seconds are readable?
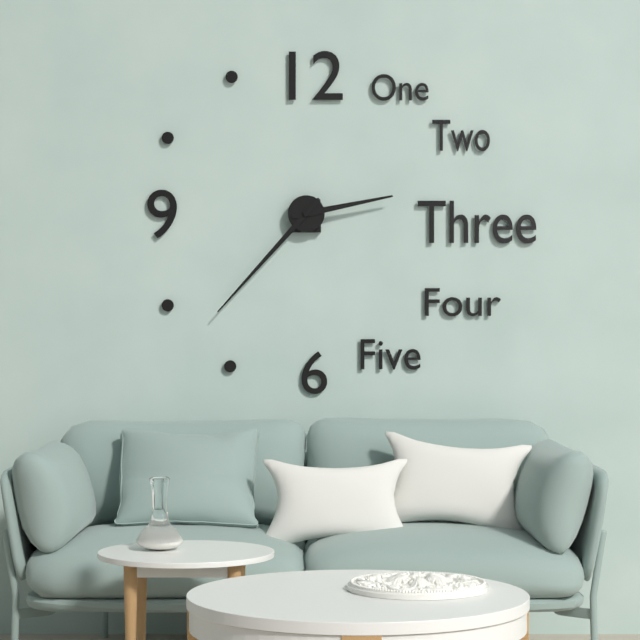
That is h=2 m=37
